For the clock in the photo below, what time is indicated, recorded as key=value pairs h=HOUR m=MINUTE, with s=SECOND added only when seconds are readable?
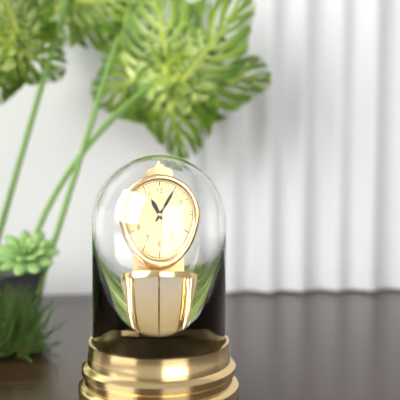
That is h=11 m=5
